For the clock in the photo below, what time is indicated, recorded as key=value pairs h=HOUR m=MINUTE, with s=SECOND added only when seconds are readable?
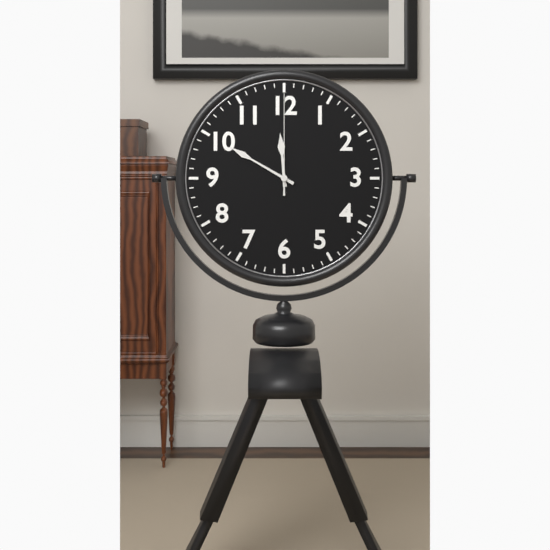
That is h=11 m=50 s=0
